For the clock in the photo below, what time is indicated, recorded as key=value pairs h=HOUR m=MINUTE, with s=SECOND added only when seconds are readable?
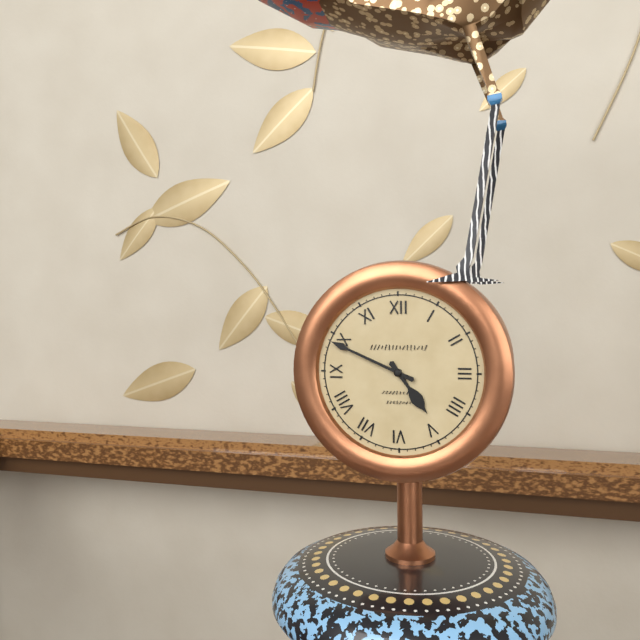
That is h=4 m=49
